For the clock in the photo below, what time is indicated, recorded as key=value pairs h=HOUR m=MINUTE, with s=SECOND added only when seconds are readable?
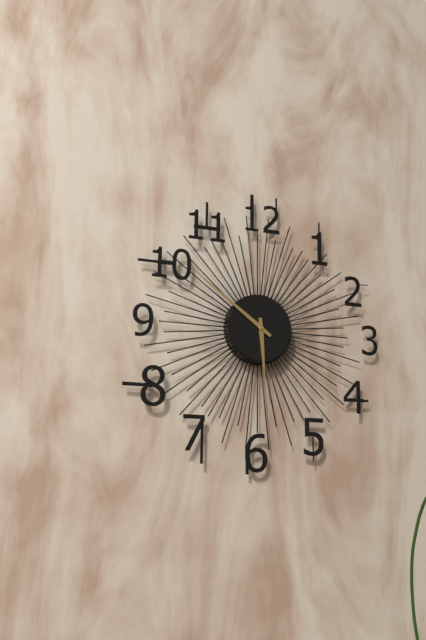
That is h=5 m=51
